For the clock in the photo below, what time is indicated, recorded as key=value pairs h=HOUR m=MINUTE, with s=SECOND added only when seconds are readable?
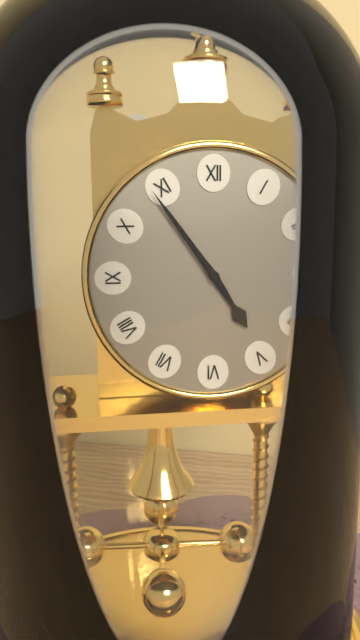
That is h=4 m=54
